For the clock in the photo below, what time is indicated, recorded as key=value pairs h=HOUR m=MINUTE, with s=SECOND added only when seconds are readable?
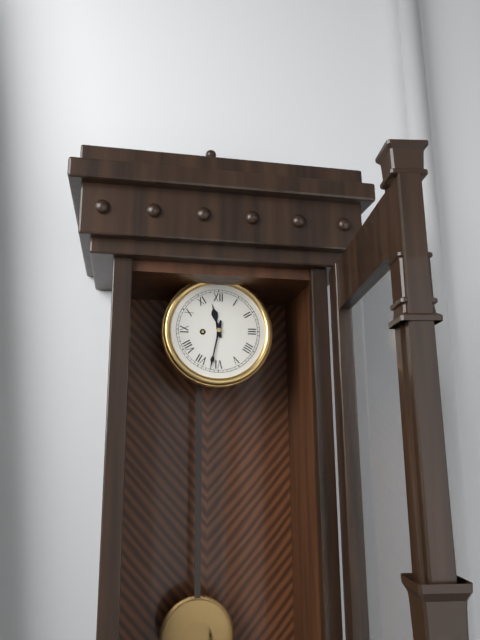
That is h=11 m=32
